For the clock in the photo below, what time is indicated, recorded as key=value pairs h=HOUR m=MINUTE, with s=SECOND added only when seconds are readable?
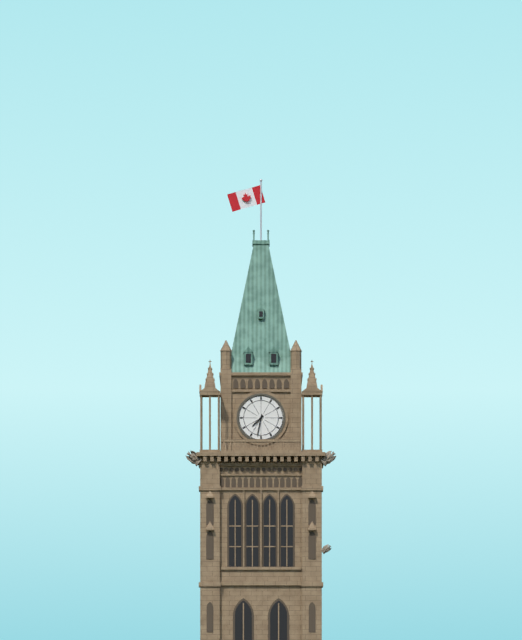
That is h=7 m=32
